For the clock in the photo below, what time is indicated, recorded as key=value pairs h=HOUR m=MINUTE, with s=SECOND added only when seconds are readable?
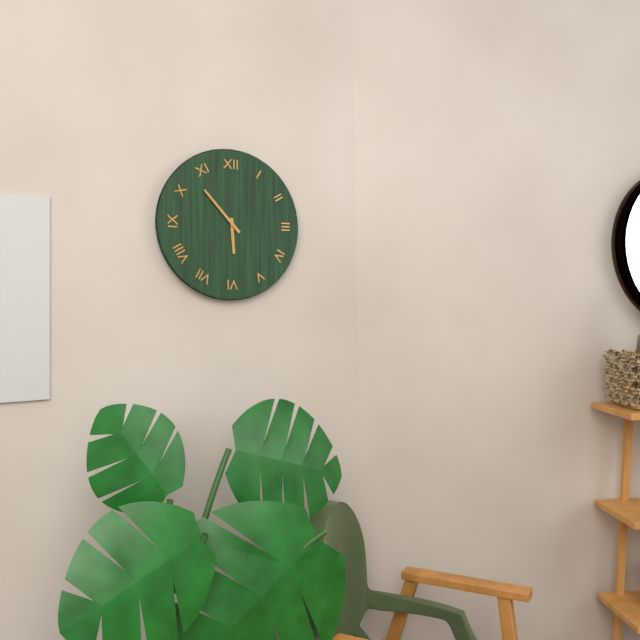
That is h=5 m=53
